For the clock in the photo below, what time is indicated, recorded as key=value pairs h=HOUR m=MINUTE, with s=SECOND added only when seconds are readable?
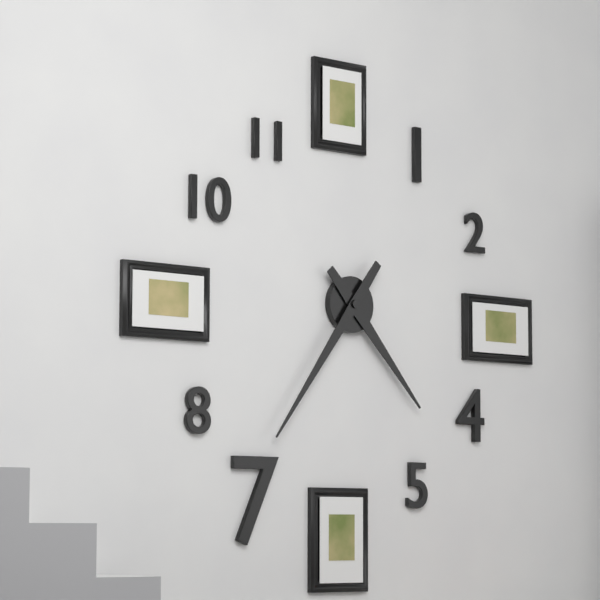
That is h=4 m=36
